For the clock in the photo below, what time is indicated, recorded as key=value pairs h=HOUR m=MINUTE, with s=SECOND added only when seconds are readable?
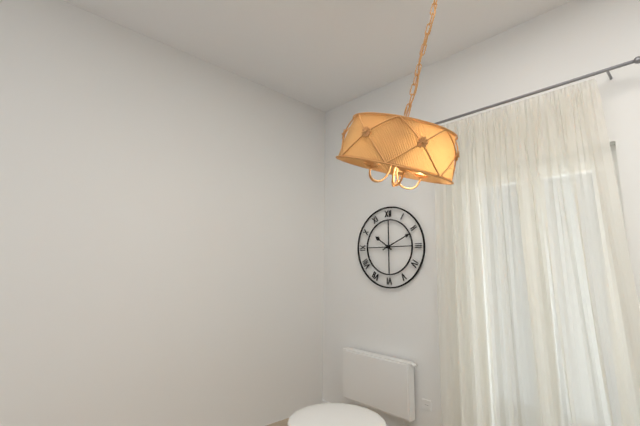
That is h=10 m=11
